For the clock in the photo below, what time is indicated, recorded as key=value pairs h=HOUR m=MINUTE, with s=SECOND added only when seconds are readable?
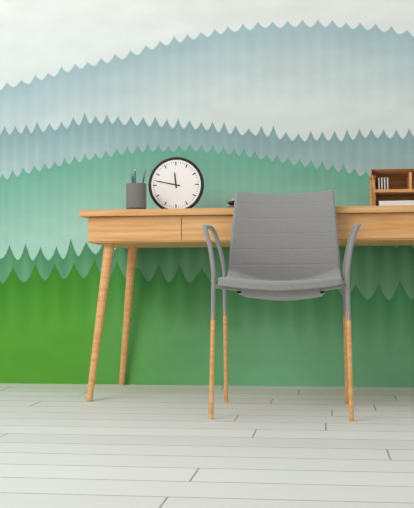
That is h=11 m=47
